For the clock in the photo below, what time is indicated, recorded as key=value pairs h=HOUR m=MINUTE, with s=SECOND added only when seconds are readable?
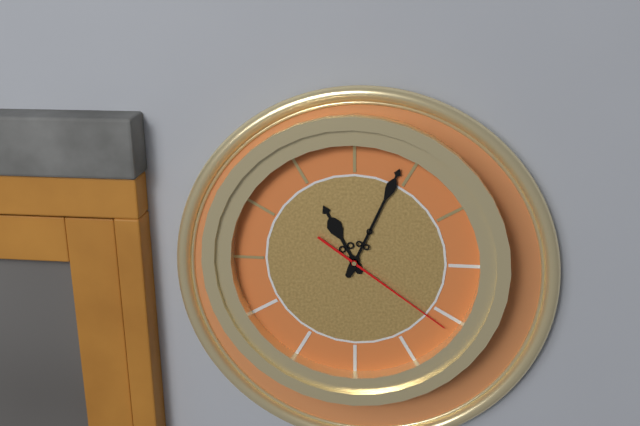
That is h=11 m=4 s=21
